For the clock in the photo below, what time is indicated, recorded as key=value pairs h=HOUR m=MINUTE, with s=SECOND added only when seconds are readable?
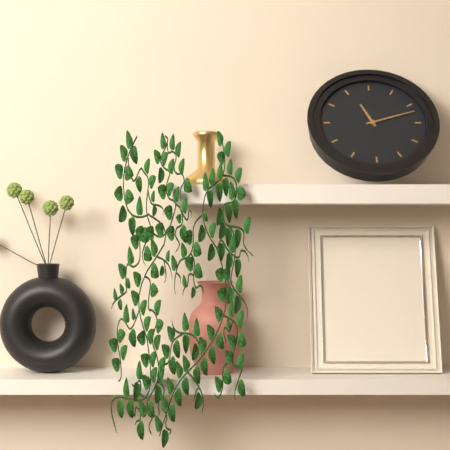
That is h=11 m=12
